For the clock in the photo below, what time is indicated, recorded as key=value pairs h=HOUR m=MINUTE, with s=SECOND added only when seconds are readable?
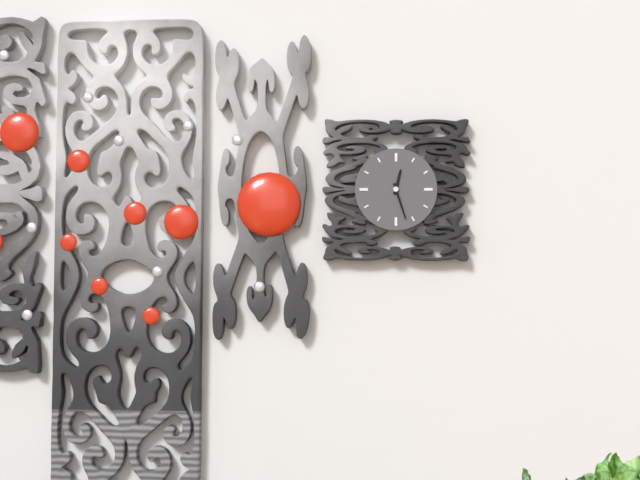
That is h=12 m=27
